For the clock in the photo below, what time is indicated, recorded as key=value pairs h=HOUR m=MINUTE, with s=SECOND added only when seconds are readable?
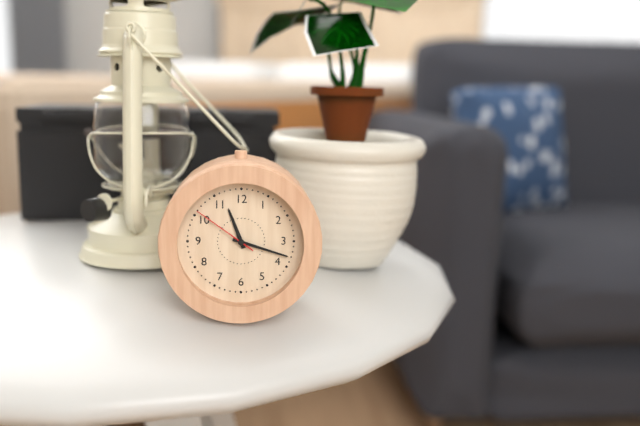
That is h=11 m=18 s=51
